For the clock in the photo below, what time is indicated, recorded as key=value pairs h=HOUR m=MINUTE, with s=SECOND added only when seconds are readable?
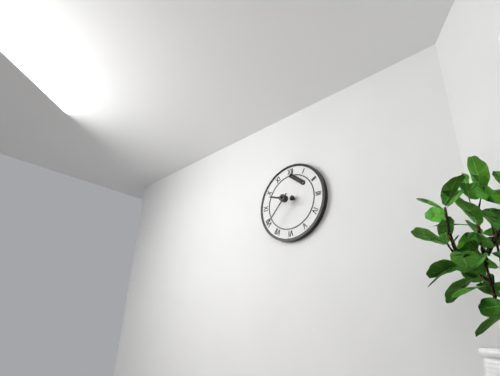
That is h=9 m=37
